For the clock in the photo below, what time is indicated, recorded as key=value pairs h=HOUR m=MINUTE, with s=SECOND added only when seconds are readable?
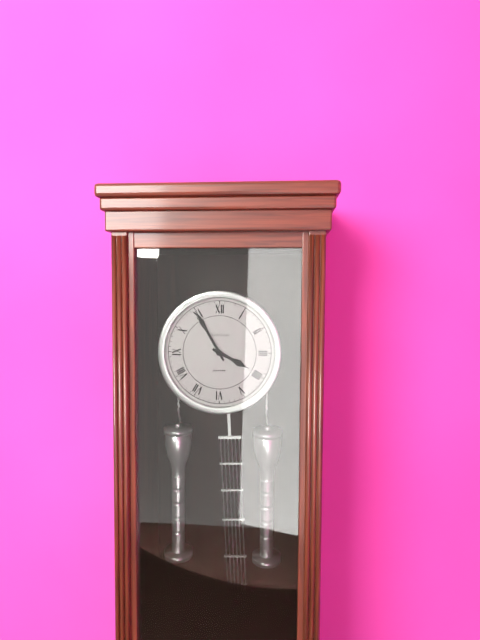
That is h=3 m=55
